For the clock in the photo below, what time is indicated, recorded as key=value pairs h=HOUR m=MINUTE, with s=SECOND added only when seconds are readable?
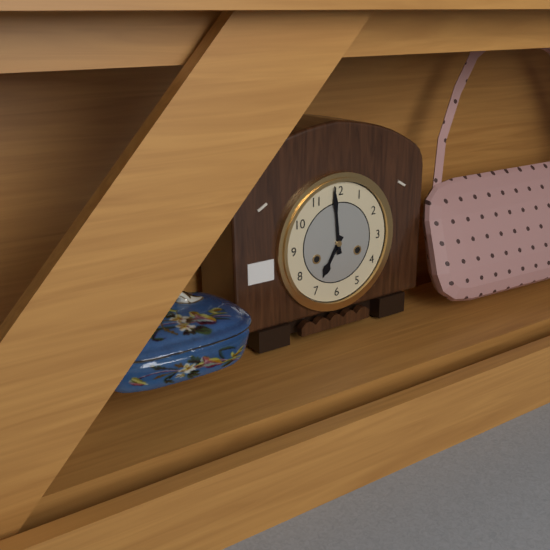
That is h=6 m=59
